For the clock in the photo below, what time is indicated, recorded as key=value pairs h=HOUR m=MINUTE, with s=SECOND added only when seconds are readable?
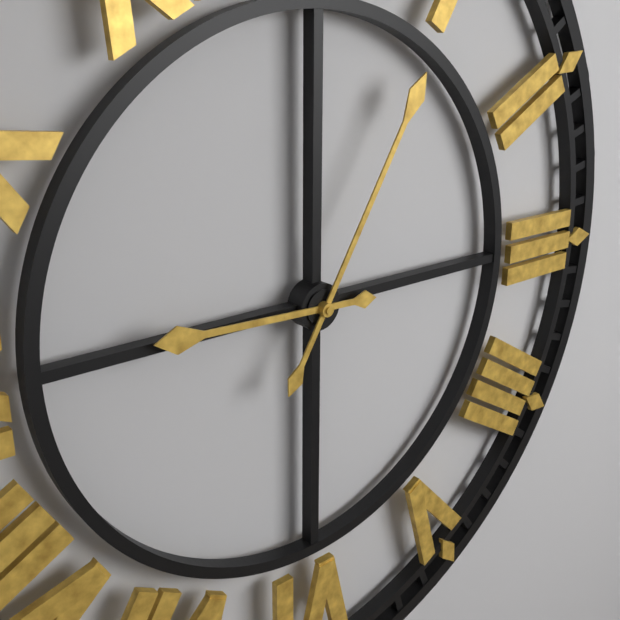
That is h=9 m=5
